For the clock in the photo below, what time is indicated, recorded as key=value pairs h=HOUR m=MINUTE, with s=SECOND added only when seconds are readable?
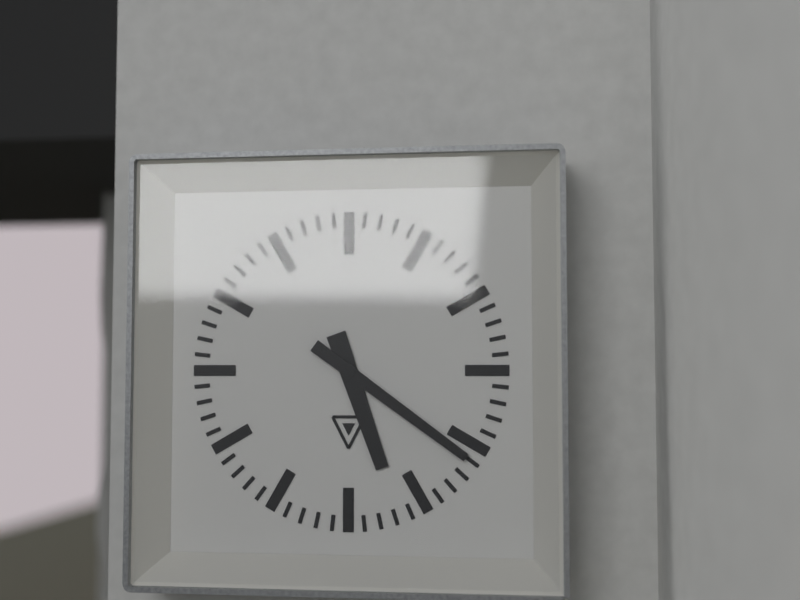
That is h=5 m=21
